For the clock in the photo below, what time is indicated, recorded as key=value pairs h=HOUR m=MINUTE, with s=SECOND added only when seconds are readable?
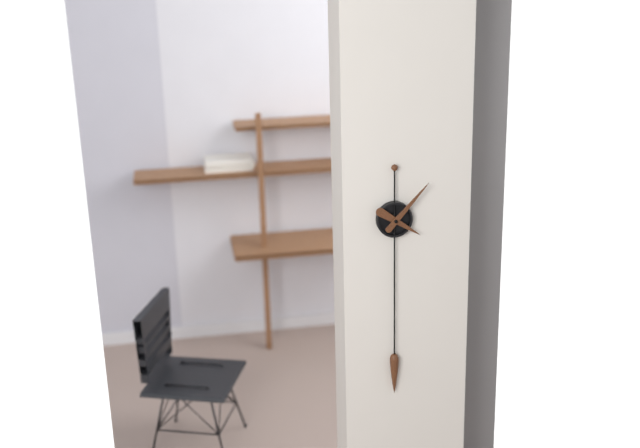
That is h=4 m=7
